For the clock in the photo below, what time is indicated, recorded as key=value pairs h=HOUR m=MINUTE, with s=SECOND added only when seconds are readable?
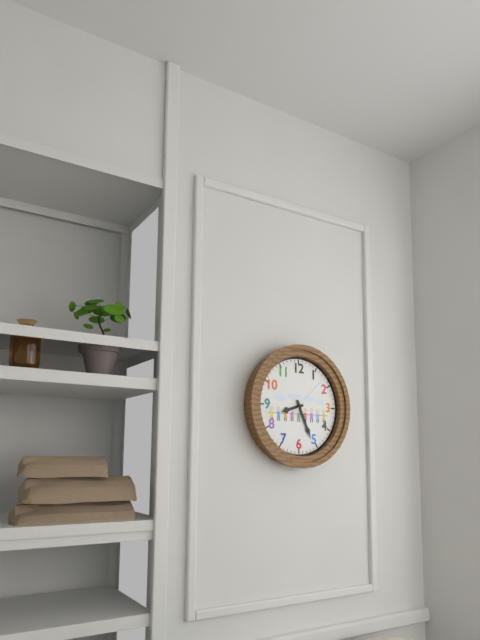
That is h=8 m=26 s=8
